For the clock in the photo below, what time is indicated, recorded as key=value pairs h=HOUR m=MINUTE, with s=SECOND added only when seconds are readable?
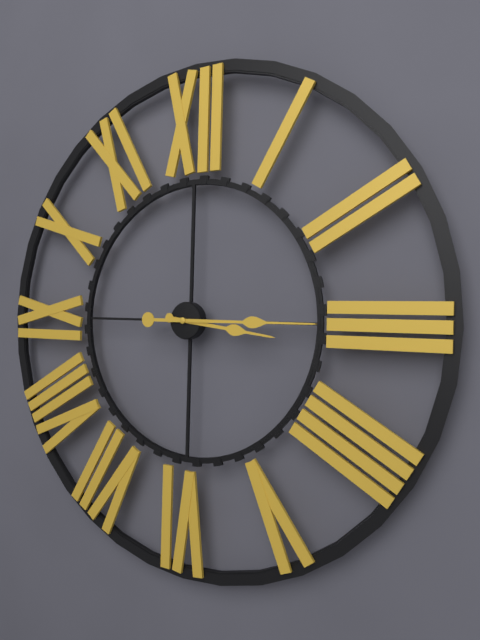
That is h=3 m=15
